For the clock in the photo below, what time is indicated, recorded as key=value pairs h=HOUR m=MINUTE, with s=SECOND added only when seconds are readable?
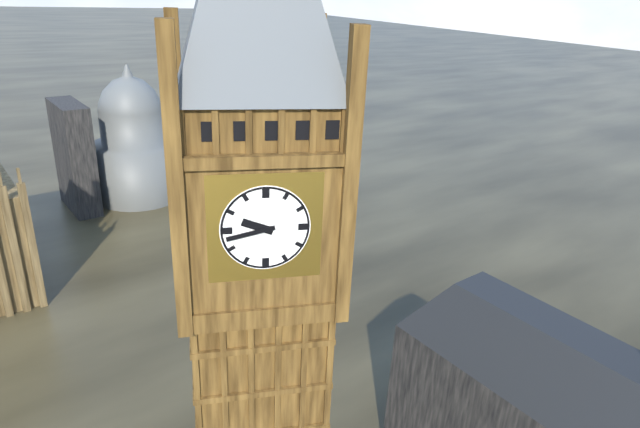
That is h=9 m=43
